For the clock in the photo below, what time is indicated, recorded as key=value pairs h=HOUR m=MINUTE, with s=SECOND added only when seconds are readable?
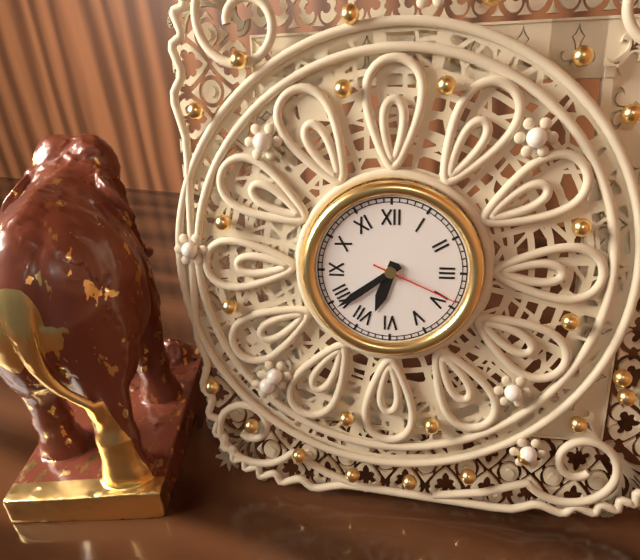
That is h=6 m=39 s=19
